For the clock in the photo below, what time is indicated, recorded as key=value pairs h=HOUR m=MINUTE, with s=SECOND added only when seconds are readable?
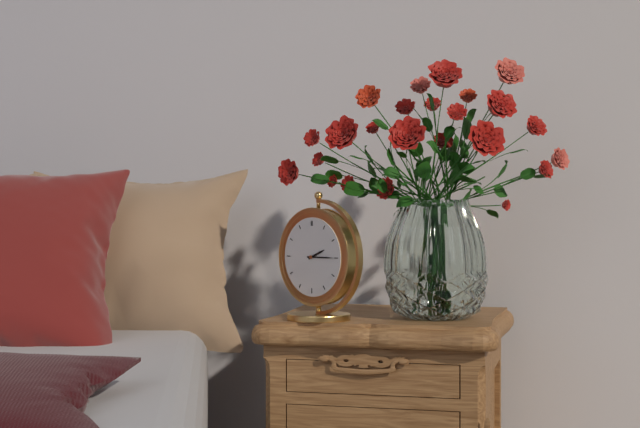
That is h=2 m=15
